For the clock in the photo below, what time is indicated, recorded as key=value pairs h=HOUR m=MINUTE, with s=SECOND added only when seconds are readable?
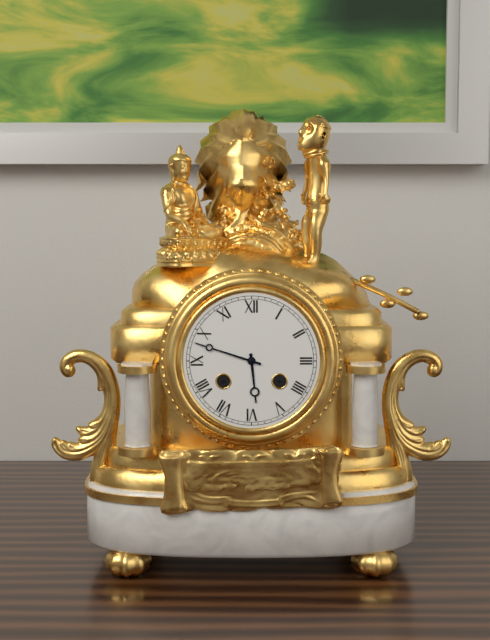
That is h=5 m=48
